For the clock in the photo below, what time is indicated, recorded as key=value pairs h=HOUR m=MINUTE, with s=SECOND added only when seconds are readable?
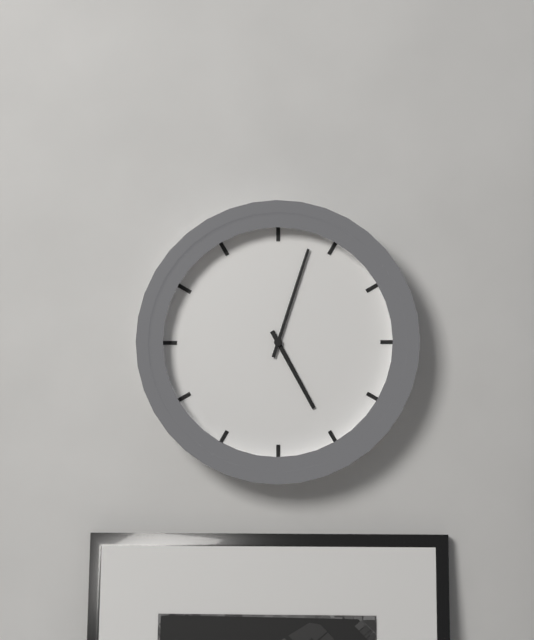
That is h=5 m=3
